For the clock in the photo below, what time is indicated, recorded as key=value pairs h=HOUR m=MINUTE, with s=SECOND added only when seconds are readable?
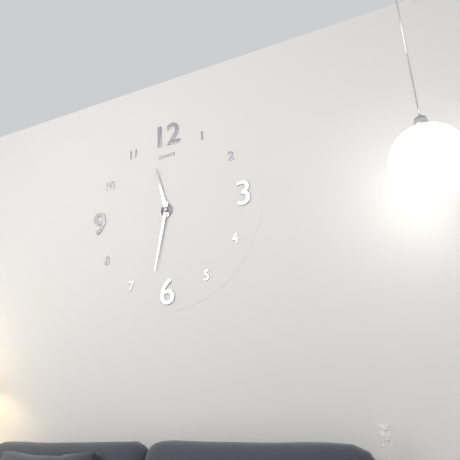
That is h=11 m=32
